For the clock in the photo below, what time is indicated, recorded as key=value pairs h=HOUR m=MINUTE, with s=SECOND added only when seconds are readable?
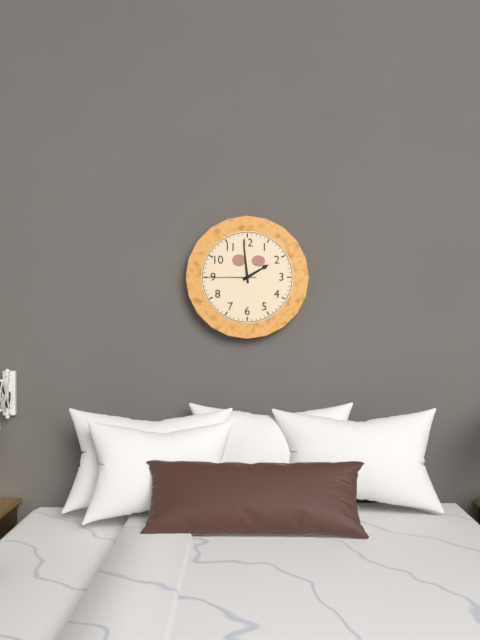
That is h=1 m=59 s=45
